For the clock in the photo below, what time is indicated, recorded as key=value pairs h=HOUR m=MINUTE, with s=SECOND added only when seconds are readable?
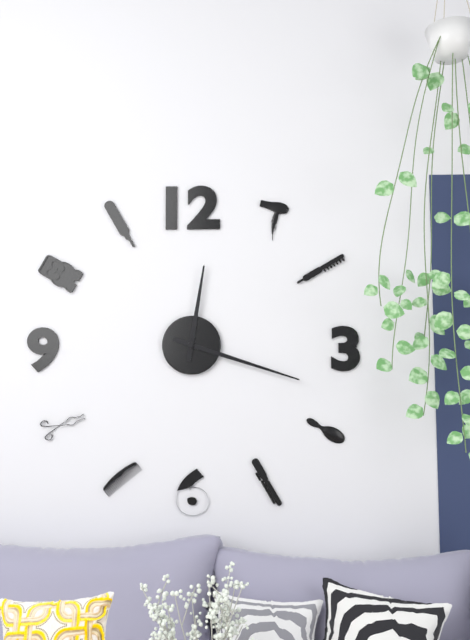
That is h=12 m=18
